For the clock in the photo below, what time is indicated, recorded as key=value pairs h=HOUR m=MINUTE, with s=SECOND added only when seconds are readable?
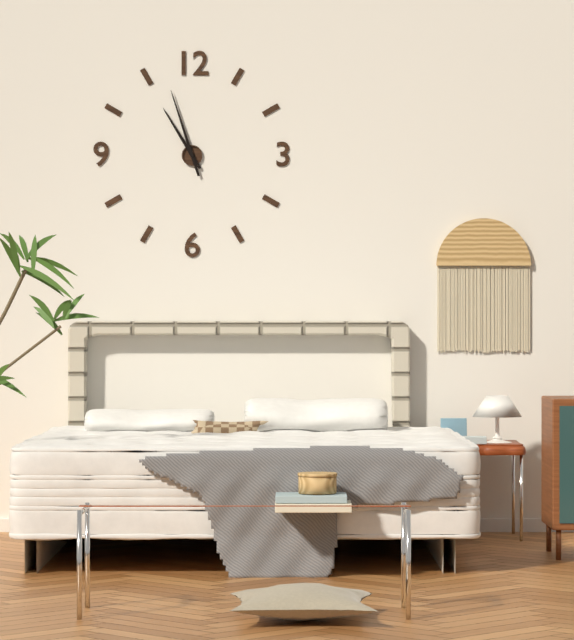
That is h=10 m=57
